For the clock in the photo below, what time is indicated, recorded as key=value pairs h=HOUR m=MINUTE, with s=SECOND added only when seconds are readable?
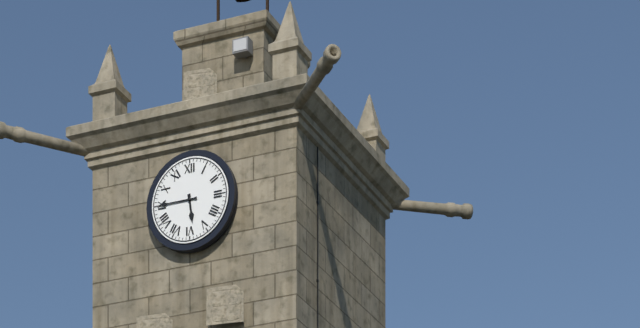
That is h=5 m=45
